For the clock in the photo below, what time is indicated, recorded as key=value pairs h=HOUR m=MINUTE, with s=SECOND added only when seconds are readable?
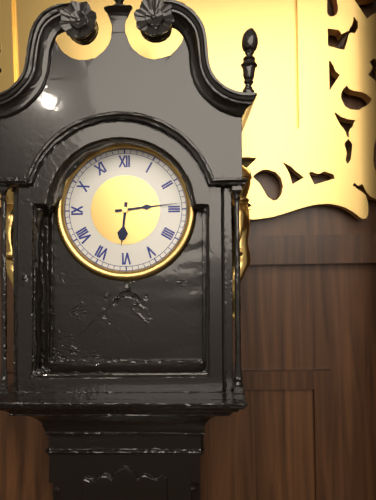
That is h=6 m=14
